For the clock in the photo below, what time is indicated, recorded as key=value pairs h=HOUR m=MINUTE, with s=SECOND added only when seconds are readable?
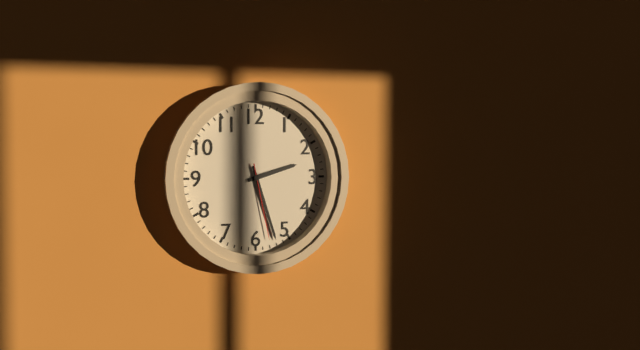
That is h=2 m=27 s=28
